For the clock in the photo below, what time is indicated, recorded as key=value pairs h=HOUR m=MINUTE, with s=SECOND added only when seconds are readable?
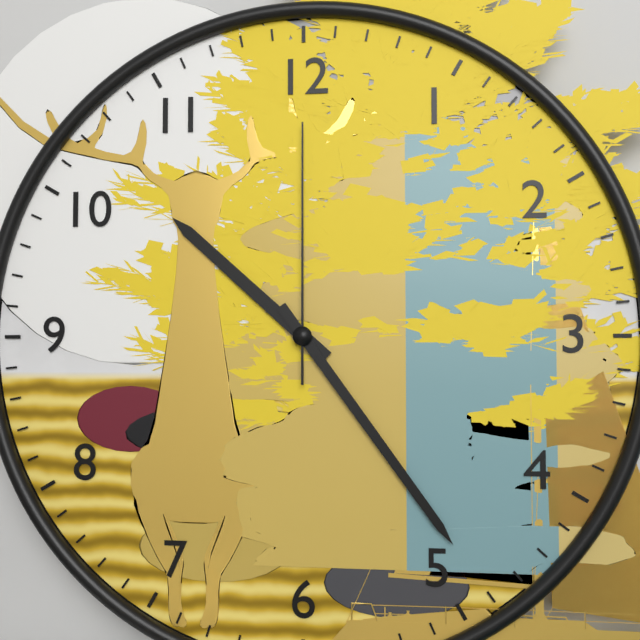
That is h=10 m=24 s=0
